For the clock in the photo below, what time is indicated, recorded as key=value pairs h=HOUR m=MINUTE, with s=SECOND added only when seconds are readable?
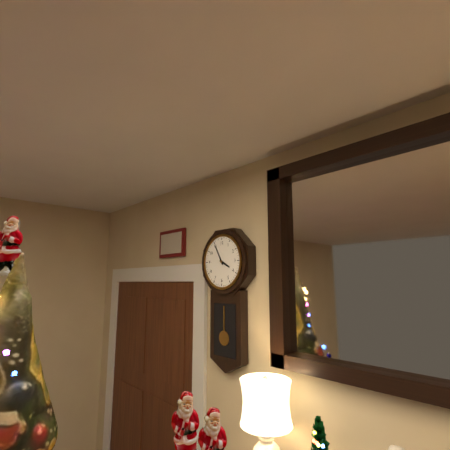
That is h=3 m=55
